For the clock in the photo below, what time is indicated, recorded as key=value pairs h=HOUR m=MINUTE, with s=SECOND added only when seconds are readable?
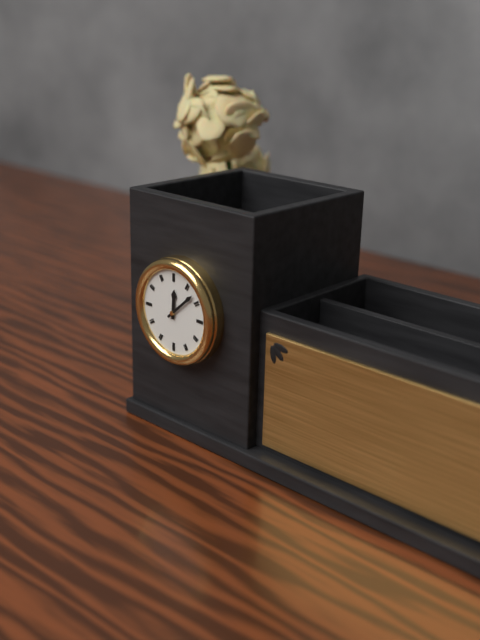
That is h=12 m=8
